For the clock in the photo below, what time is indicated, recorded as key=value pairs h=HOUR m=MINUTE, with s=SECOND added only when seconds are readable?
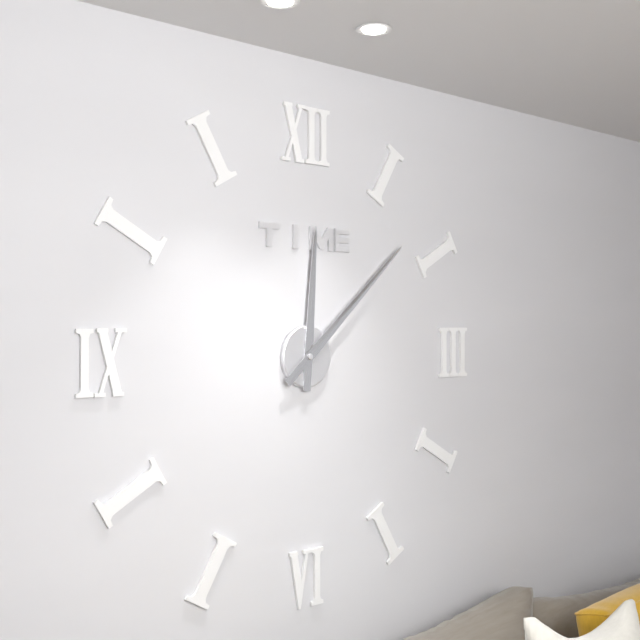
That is h=12 m=8
